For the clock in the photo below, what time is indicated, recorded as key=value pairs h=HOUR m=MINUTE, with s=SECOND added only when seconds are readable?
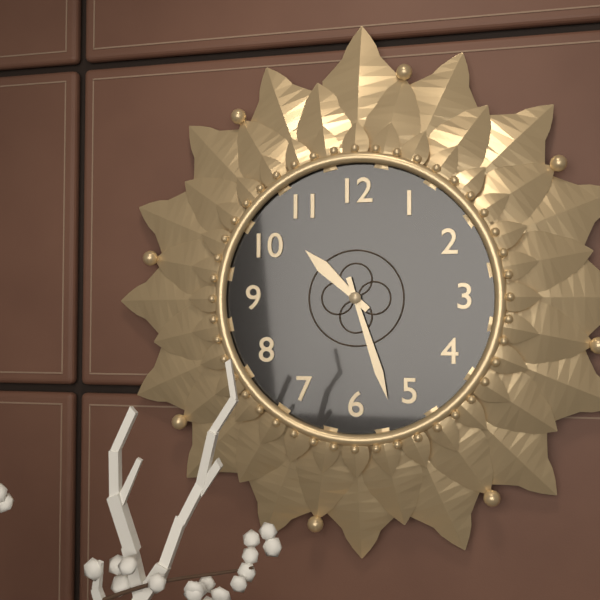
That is h=10 m=27
